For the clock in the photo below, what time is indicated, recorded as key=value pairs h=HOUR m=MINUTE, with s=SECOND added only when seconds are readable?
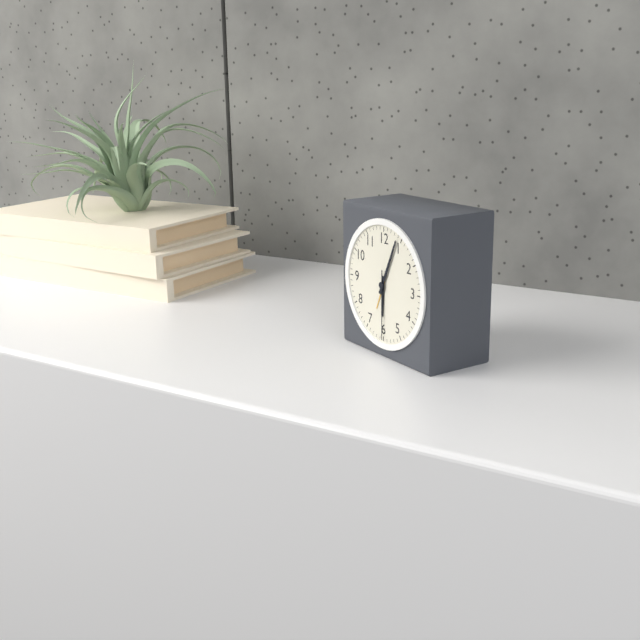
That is h=6 m=4 s=30
